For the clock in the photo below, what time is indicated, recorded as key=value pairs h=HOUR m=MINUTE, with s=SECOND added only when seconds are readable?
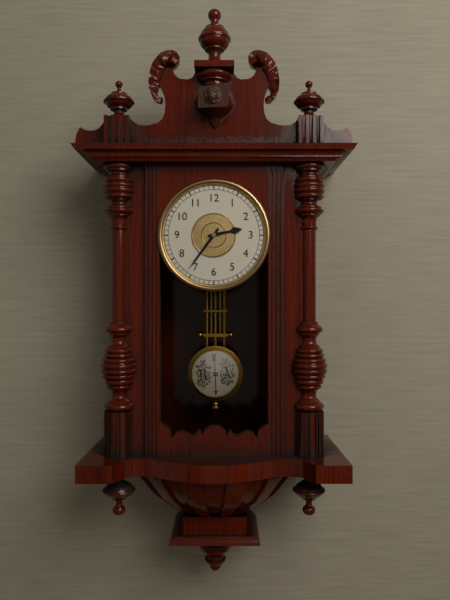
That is h=2 m=36
